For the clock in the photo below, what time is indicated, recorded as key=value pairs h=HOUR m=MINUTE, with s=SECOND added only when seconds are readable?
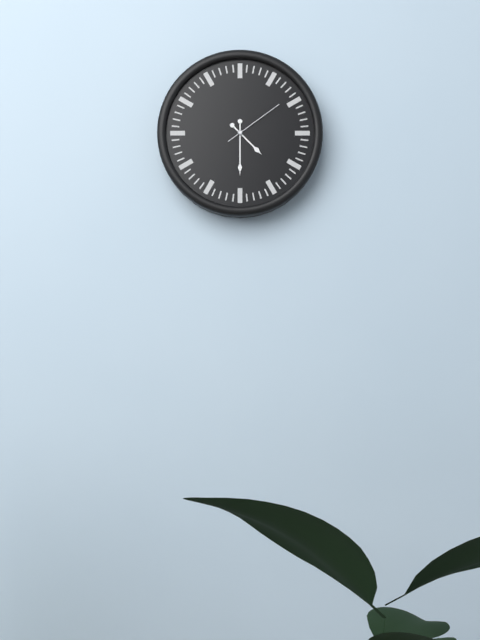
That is h=4 m=30 s=9
